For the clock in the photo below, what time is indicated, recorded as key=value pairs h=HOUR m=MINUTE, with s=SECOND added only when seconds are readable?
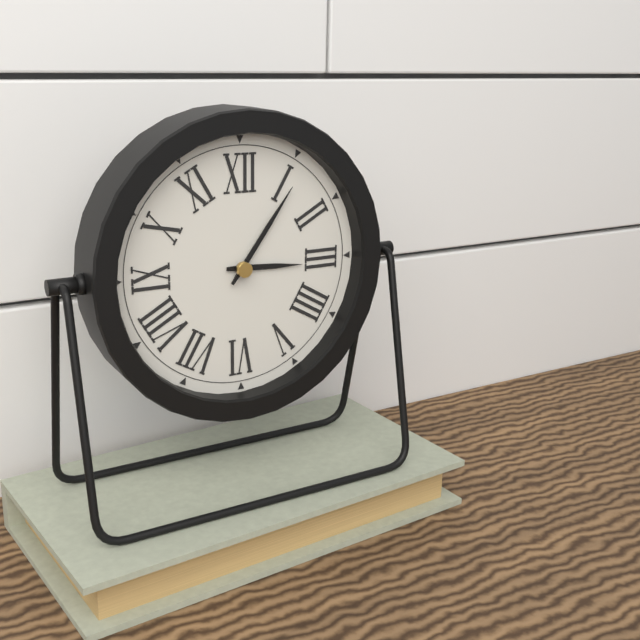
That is h=3 m=6
